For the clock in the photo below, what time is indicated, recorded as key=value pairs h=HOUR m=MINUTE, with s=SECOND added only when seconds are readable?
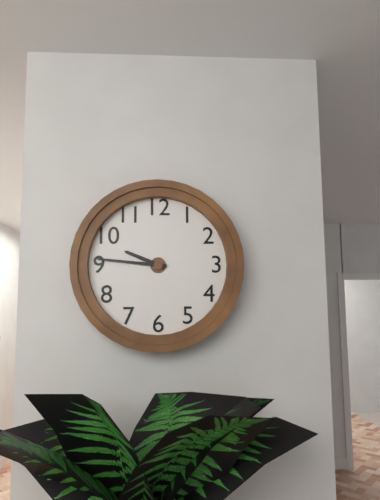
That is h=9 m=46
